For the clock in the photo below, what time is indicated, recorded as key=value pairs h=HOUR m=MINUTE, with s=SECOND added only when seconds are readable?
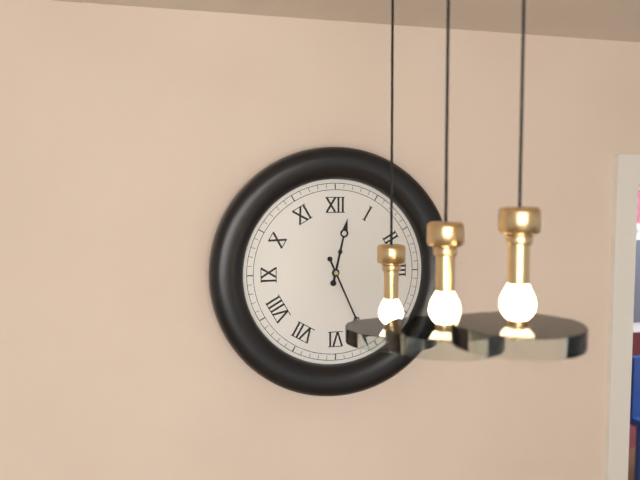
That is h=12 m=26
